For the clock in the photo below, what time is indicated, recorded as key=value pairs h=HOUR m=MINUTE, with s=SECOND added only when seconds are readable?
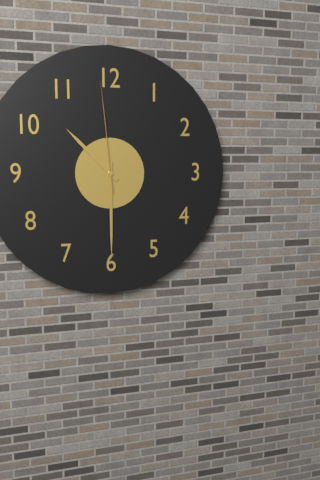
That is h=10 m=30 s=59
